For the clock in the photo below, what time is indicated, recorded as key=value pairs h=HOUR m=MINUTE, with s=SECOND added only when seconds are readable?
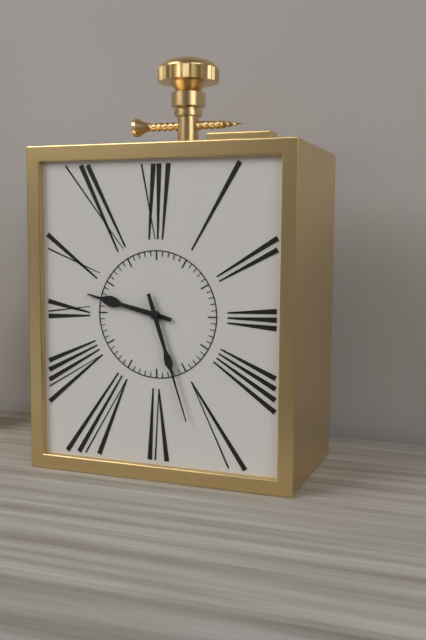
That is h=9 m=27
